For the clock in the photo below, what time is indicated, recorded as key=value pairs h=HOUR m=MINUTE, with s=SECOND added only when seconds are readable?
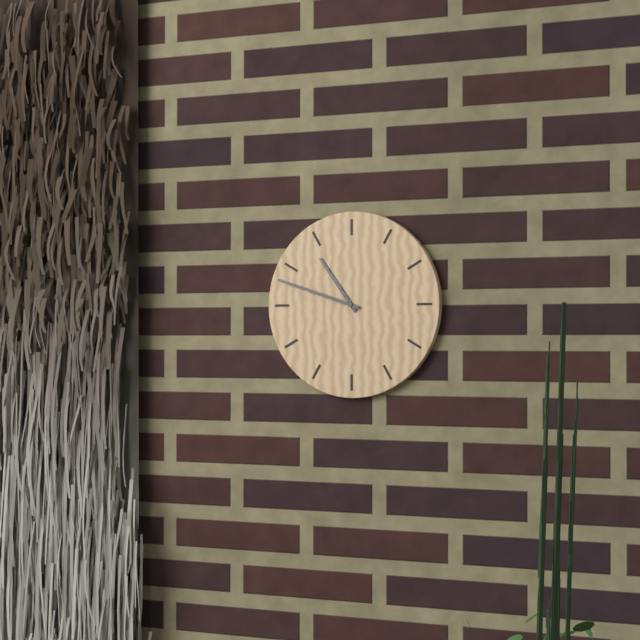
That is h=10 m=48
